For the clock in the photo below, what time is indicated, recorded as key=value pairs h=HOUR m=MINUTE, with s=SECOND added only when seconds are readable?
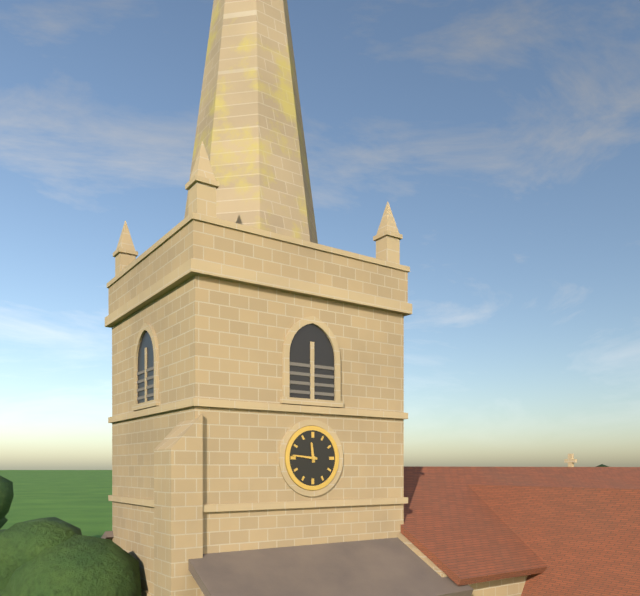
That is h=11 m=46
